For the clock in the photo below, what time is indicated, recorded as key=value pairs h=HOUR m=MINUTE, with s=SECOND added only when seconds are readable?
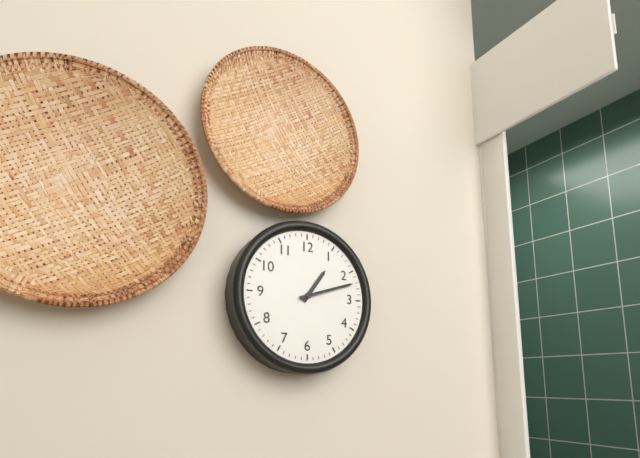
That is h=1 m=12
